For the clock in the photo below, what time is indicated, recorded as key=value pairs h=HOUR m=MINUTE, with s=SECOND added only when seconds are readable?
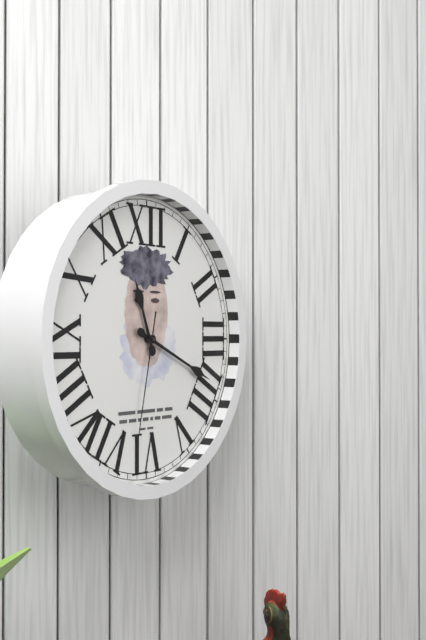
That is h=11 m=19 s=32
